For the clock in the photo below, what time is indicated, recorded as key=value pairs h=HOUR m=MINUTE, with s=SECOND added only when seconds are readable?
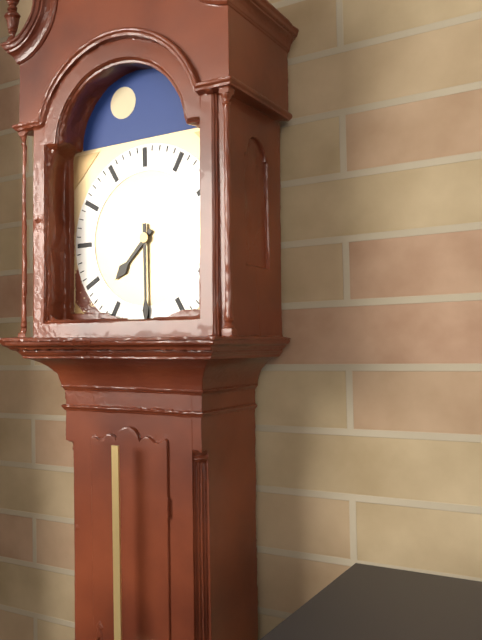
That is h=7 m=30
